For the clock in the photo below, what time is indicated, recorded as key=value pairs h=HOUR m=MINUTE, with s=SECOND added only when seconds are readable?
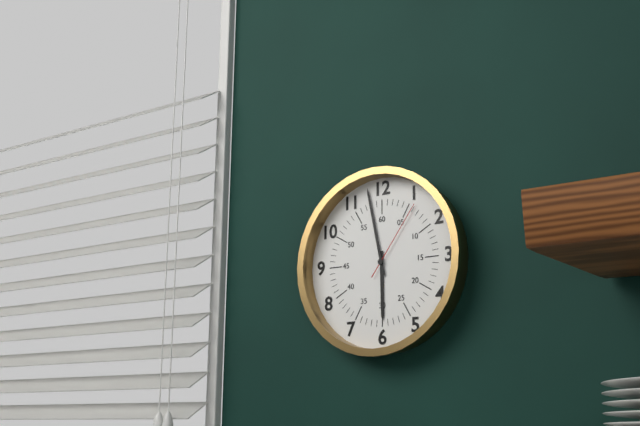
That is h=5 m=58 s=6
